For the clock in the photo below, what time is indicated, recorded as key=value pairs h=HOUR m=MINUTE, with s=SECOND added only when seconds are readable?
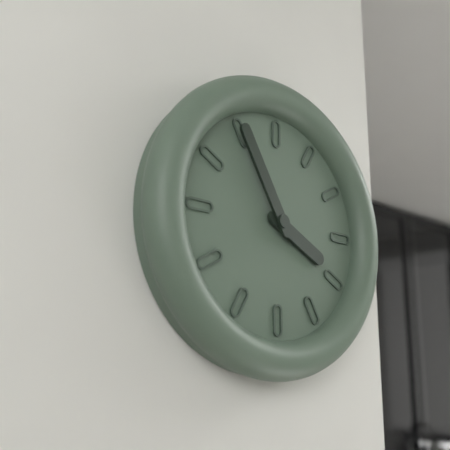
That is h=3 m=55
